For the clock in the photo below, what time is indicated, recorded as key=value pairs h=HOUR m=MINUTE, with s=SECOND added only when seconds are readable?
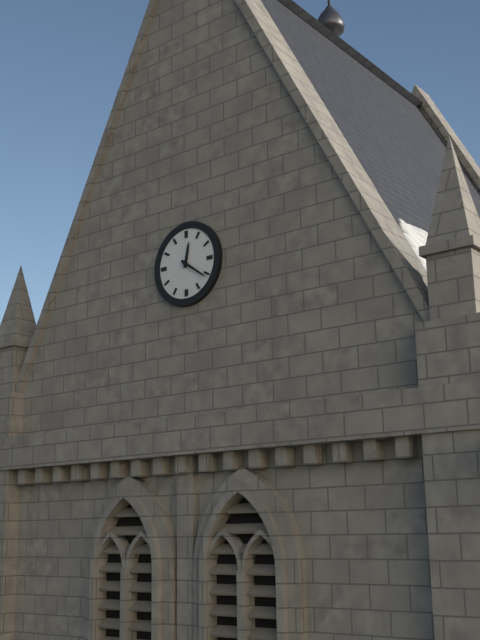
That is h=12 m=21
